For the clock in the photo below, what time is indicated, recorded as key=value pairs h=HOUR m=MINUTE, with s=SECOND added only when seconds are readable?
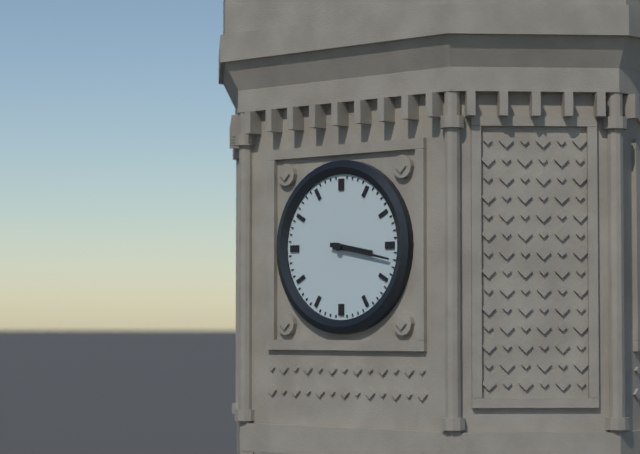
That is h=3 m=17
